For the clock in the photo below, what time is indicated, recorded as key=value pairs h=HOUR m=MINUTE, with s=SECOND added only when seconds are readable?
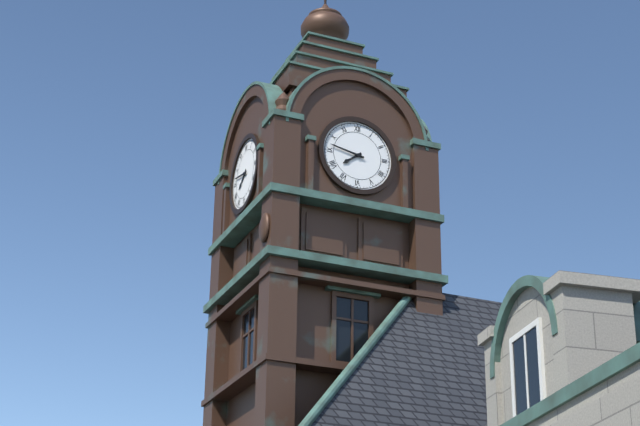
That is h=7 m=47
